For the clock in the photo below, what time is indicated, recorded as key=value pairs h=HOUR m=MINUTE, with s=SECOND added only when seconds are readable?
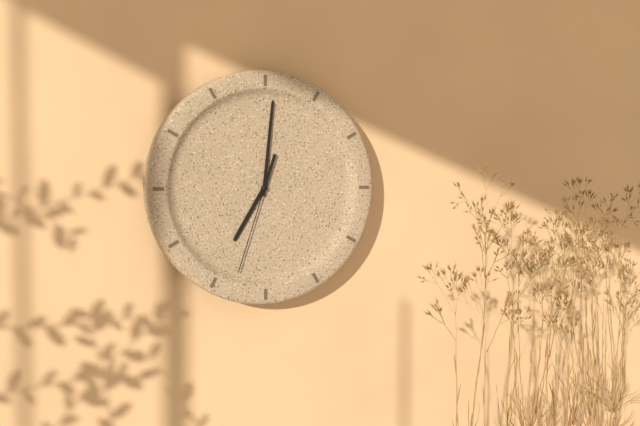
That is h=7 m=1 s=33
